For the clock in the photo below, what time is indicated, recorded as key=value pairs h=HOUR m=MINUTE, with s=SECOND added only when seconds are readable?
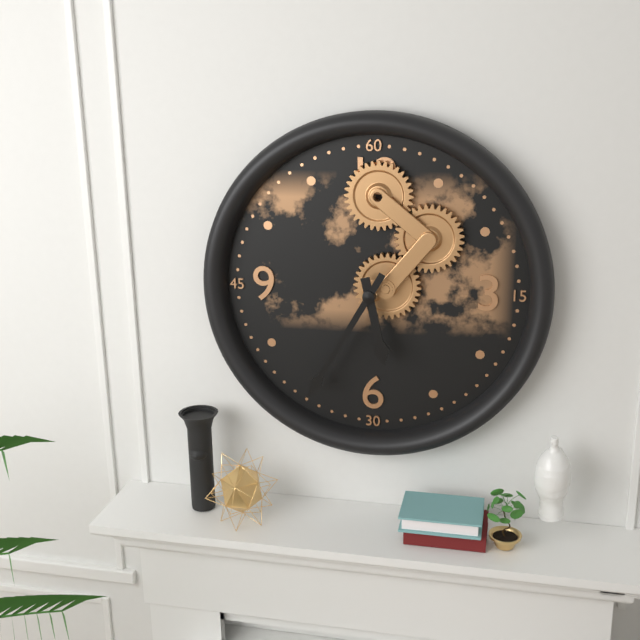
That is h=5 m=35
